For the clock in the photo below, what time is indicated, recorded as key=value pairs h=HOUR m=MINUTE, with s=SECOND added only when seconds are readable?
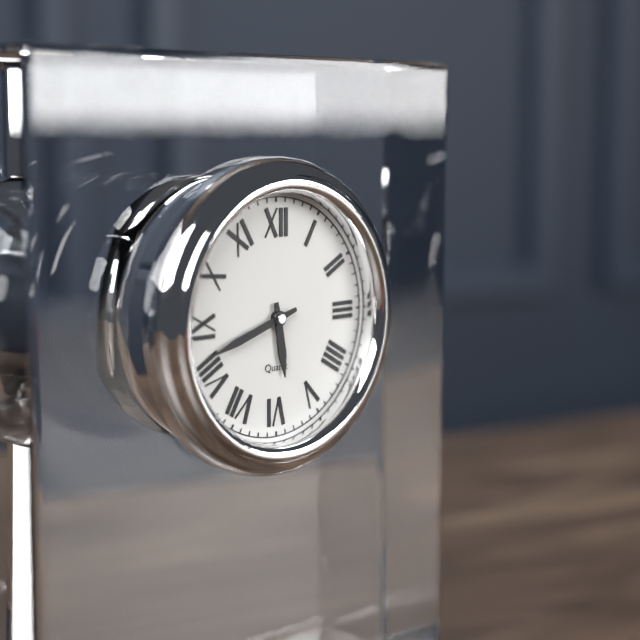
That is h=5 m=42
